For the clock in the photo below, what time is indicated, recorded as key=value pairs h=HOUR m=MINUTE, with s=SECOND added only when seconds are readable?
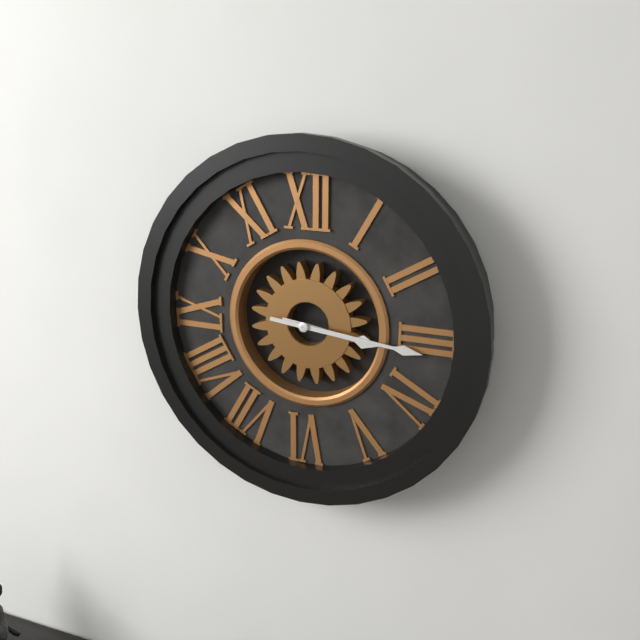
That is h=3 m=16
